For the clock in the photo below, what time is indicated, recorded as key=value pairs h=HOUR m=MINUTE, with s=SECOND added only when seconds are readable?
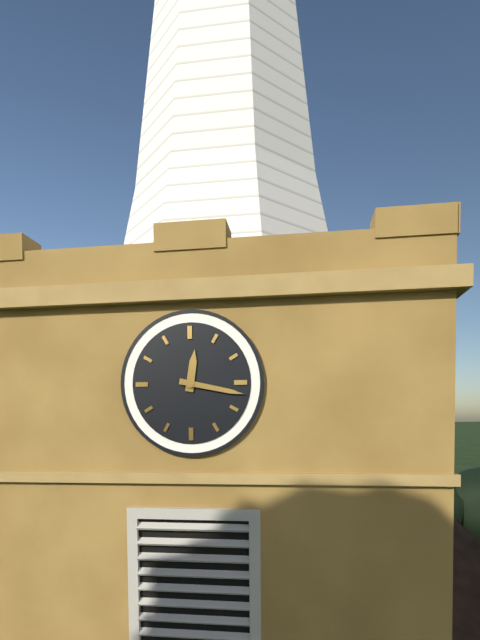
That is h=12 m=17
